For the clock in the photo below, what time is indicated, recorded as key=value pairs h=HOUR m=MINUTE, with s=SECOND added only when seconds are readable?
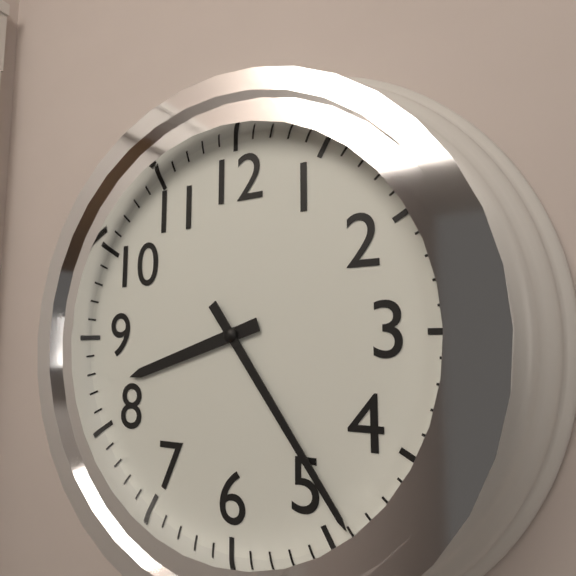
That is h=8 m=24
